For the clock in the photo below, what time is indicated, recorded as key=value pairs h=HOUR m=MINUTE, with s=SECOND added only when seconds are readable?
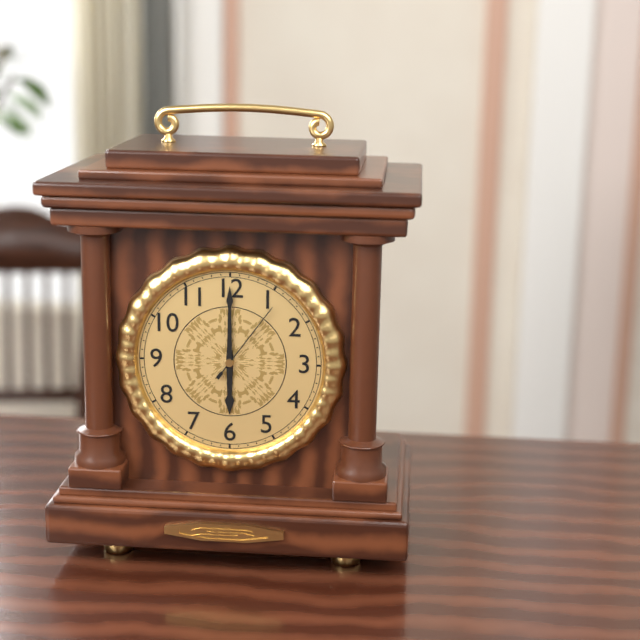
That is h=6 m=0 s=6
